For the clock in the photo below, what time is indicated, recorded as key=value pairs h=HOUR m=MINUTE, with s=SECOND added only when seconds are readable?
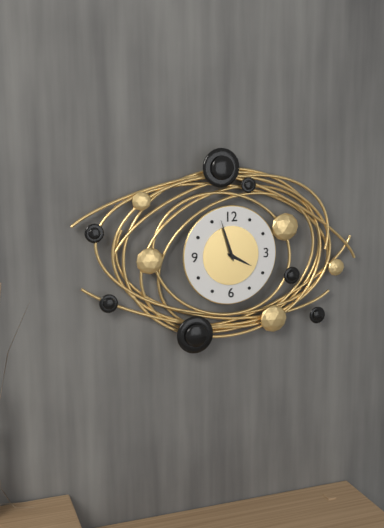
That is h=3 m=57
